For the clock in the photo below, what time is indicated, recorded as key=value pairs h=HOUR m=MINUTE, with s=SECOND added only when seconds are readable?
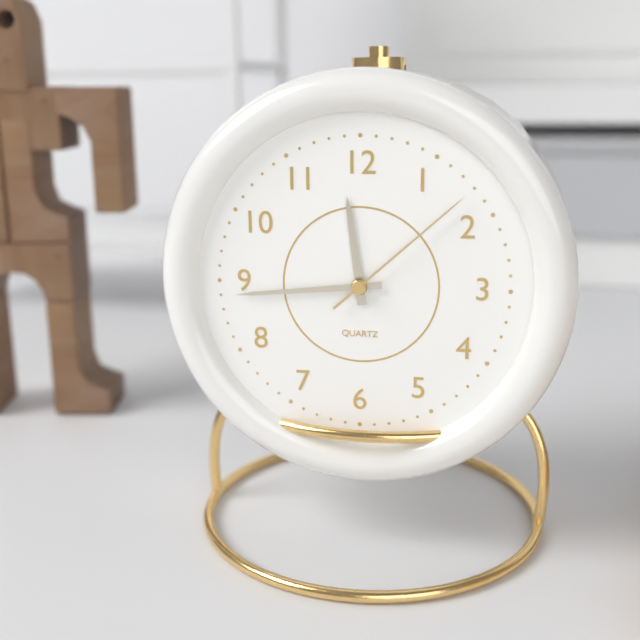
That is h=11 m=44 s=8
